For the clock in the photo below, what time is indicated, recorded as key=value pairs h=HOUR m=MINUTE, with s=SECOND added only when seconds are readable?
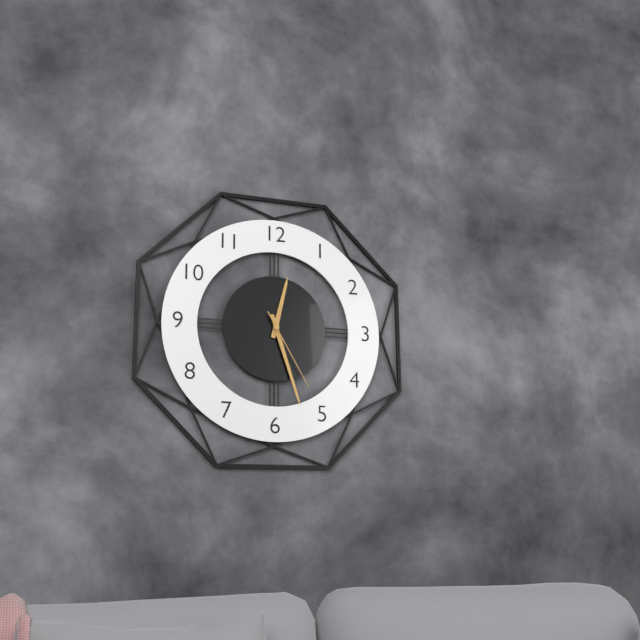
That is h=12 m=27 s=25
